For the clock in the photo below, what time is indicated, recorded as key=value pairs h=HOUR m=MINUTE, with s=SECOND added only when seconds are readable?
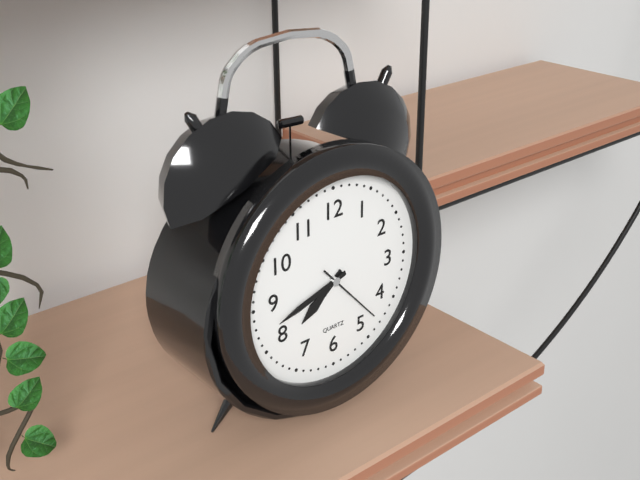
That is h=7 m=42 s=23
